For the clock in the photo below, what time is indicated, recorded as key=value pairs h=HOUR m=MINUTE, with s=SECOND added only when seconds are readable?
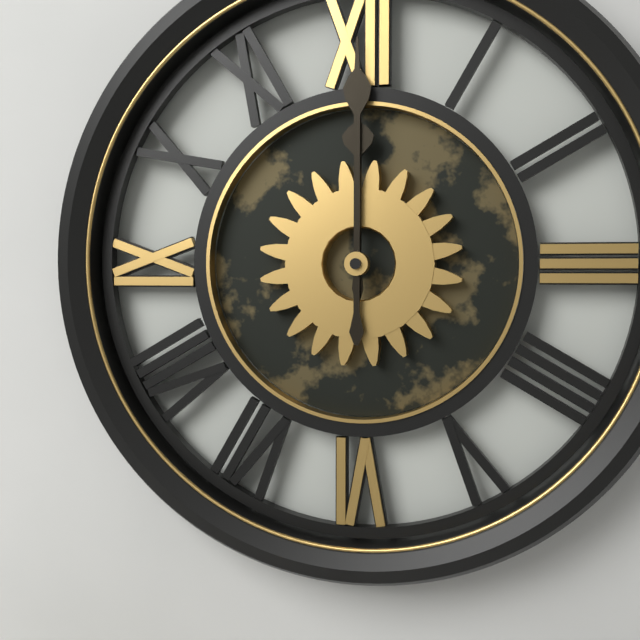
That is h=12 m=0
